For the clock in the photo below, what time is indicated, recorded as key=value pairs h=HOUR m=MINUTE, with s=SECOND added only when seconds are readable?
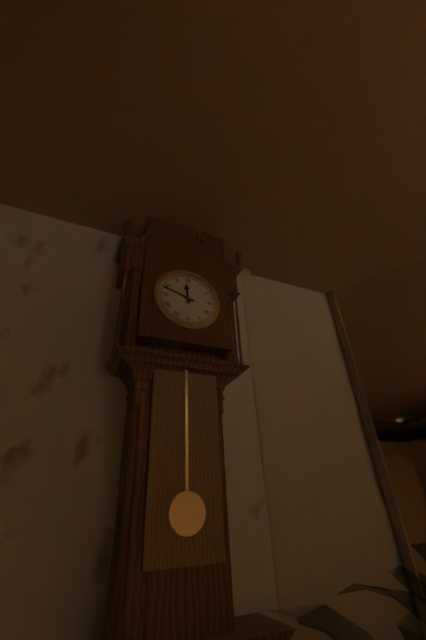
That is h=11 m=48
